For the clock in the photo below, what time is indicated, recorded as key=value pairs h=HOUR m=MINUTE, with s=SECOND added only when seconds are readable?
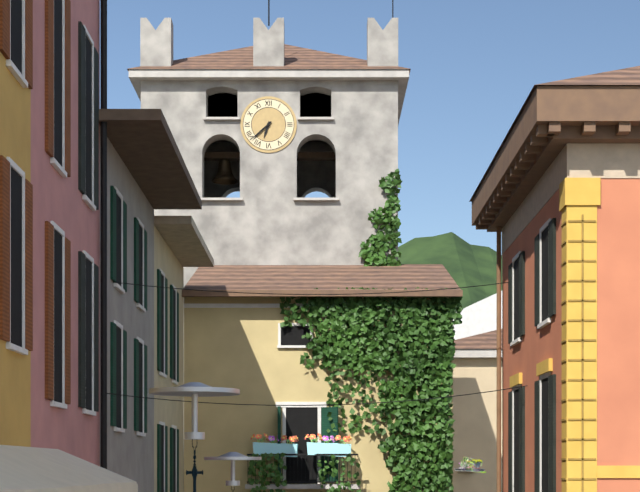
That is h=6 m=38
